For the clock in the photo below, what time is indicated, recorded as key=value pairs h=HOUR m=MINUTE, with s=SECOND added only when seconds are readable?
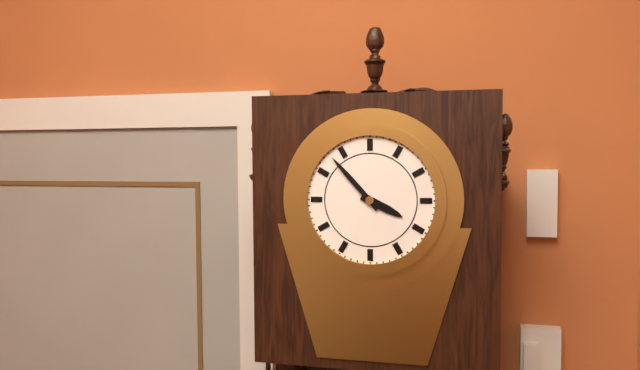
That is h=3 m=53
